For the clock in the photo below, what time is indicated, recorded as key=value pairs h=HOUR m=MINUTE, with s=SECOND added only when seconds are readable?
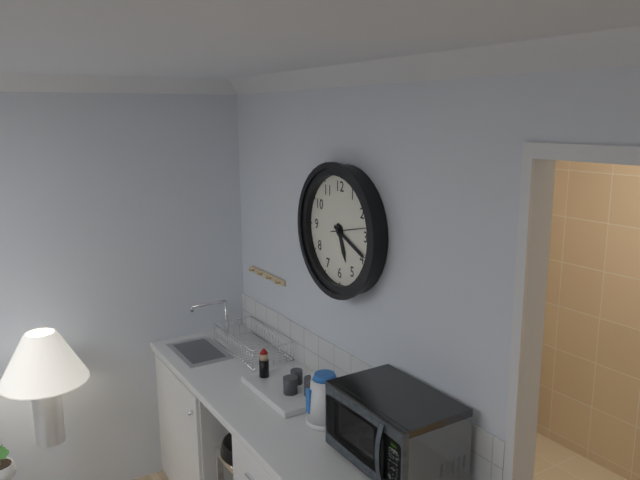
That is h=5 m=19
